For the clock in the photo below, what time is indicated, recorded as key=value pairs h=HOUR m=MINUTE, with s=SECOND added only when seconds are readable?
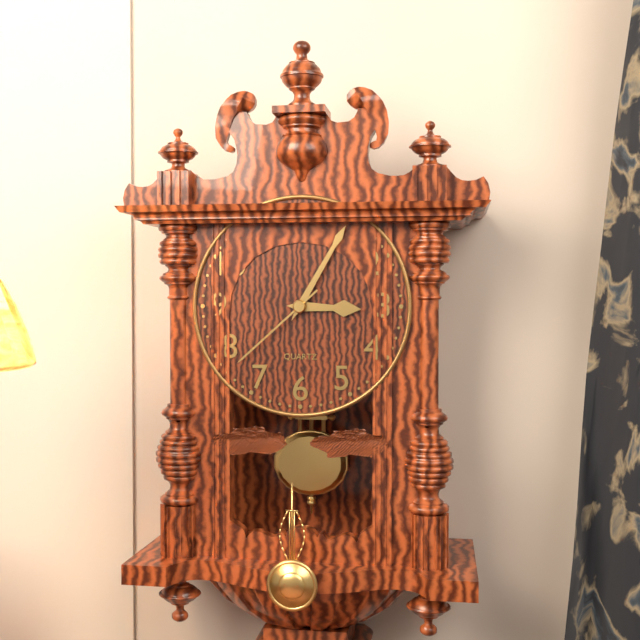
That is h=3 m=5 s=38
